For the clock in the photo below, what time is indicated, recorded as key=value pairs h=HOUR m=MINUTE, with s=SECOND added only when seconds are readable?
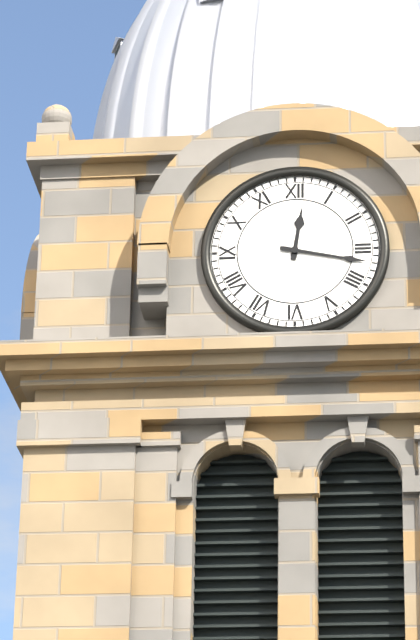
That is h=12 m=17
